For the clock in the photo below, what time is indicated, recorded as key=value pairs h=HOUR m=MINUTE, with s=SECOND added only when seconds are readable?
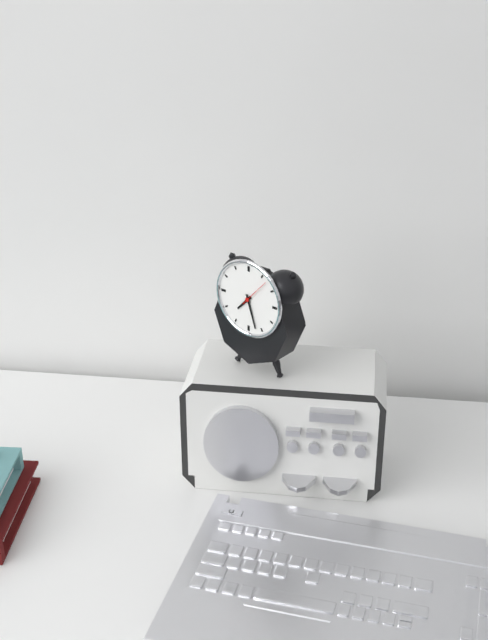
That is h=7 m=27
